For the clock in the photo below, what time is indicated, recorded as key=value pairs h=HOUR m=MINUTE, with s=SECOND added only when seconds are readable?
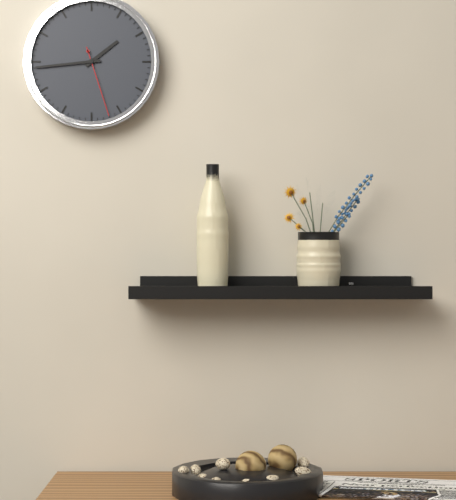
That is h=1 m=44 s=27
